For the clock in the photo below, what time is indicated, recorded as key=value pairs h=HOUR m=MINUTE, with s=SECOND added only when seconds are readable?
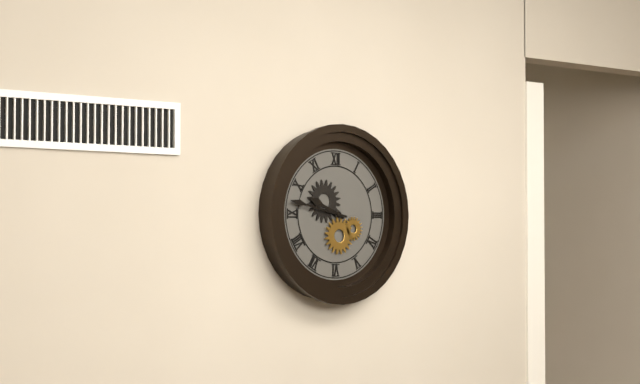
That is h=9 m=47
